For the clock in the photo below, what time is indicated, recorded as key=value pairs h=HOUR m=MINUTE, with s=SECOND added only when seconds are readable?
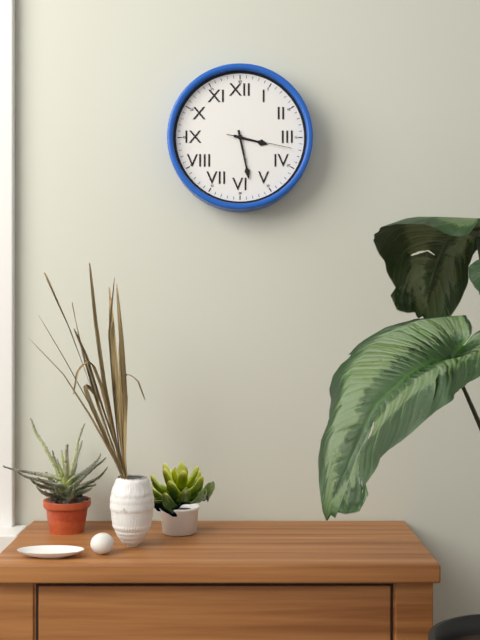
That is h=3 m=28 s=17
